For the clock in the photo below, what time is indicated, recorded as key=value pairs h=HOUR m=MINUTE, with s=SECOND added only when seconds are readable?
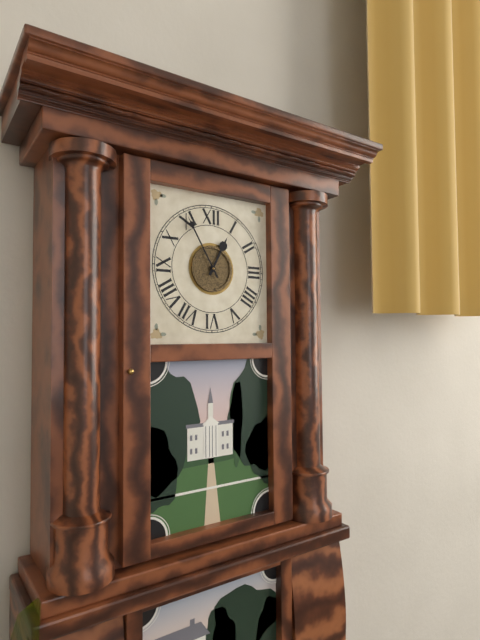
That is h=12 m=55
